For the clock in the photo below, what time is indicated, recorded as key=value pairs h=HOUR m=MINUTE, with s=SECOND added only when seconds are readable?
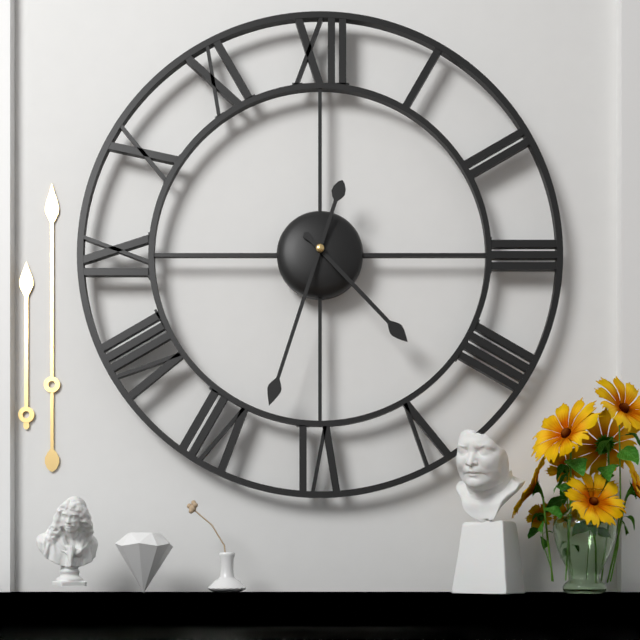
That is h=4 m=33
